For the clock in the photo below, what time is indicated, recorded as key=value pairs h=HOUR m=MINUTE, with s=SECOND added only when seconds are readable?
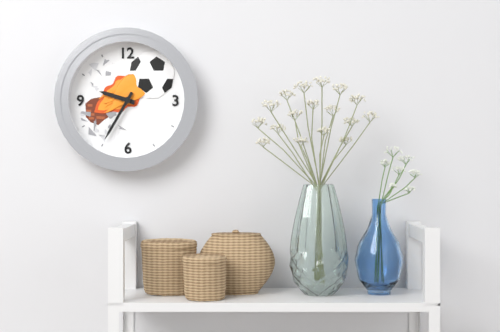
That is h=9 m=35
